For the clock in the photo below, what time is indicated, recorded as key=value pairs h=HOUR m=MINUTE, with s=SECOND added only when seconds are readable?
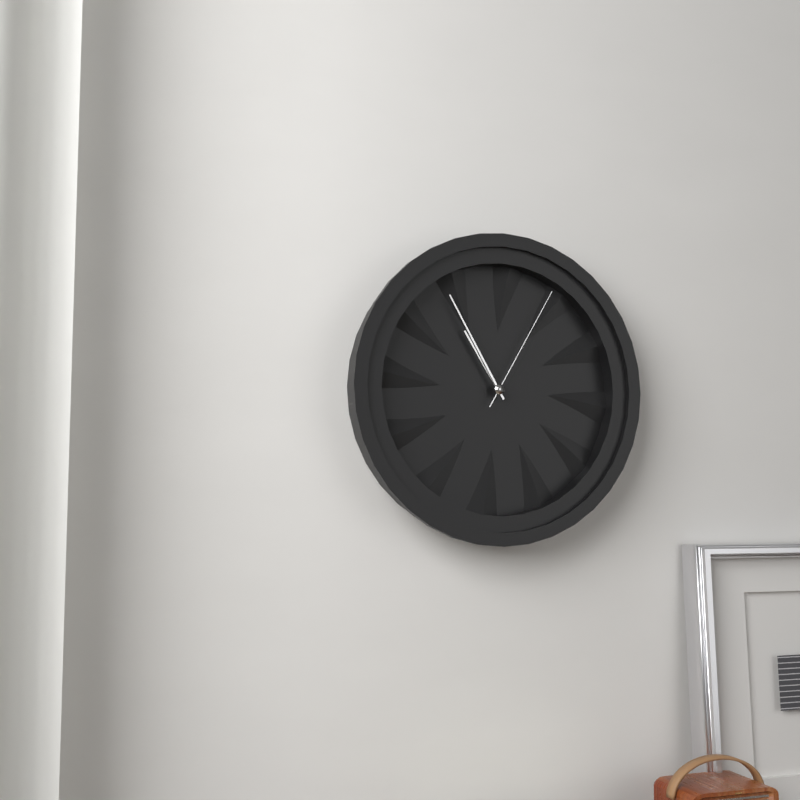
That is h=10 m=55 s=5
